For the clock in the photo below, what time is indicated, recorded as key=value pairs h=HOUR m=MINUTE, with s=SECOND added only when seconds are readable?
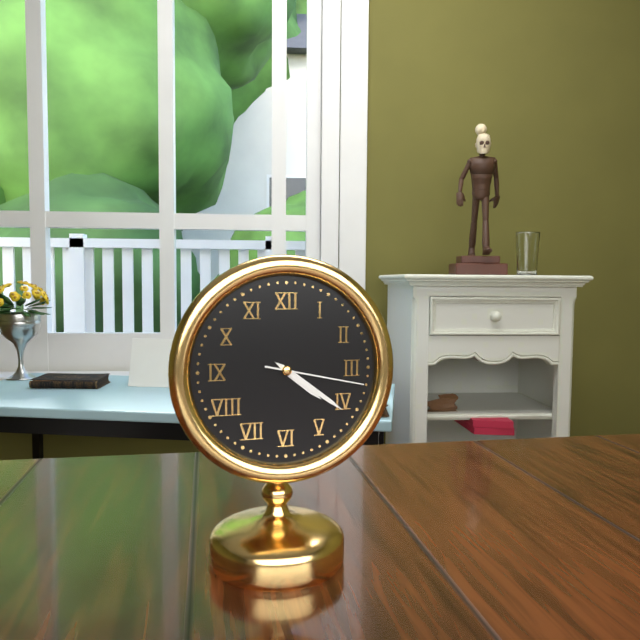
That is h=4 m=21 s=17
